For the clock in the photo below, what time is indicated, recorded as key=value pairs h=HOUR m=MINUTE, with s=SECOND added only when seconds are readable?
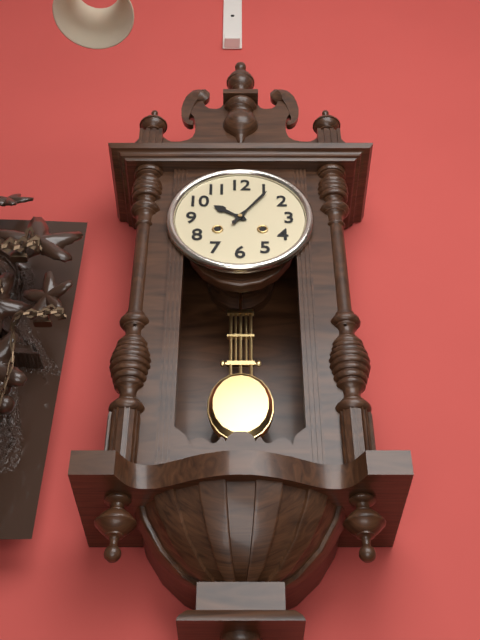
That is h=10 m=6
